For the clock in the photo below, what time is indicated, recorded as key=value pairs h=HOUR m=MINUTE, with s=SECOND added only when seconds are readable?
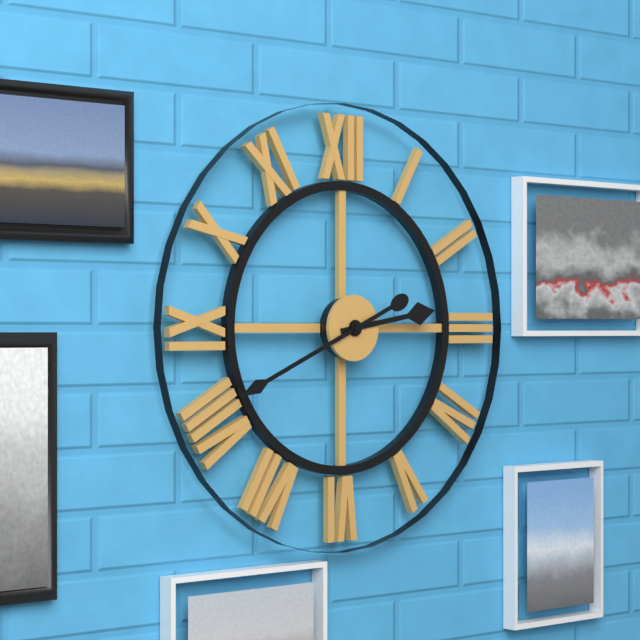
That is h=2 m=41
